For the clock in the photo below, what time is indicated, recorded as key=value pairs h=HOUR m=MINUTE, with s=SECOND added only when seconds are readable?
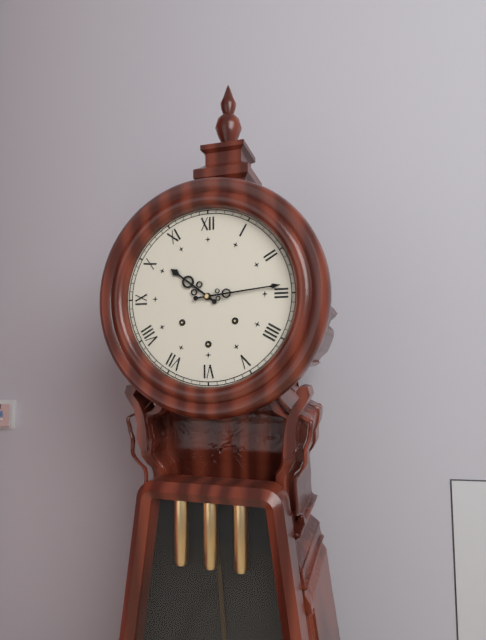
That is h=10 m=14
